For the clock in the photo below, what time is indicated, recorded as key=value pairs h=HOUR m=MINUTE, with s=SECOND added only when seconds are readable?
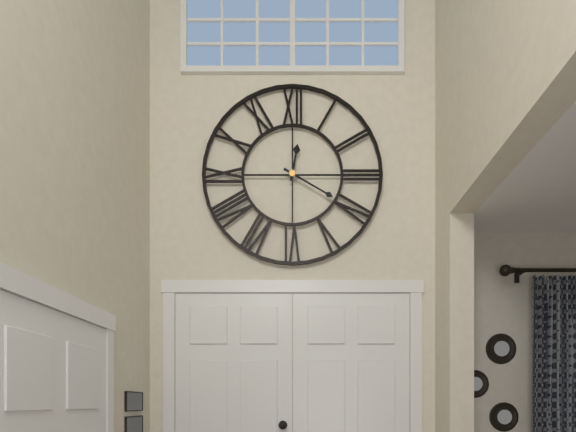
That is h=12 m=20
